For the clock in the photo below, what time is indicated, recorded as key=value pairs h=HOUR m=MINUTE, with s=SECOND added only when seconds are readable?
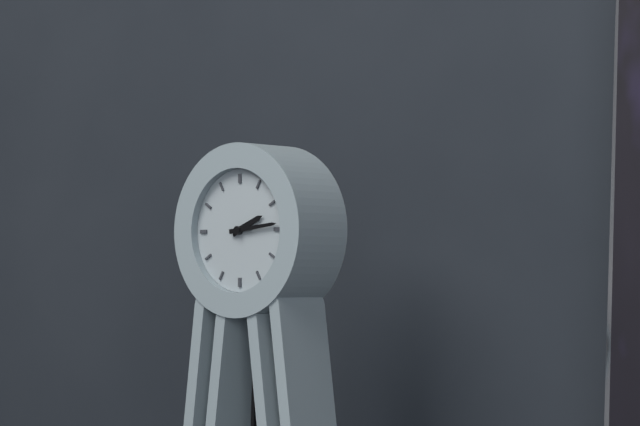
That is h=2 m=14
